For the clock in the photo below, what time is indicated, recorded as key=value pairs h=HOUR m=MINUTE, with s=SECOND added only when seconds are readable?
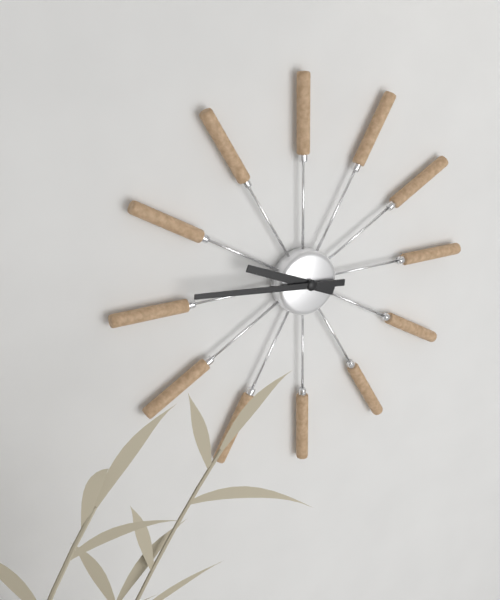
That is h=9 m=46
